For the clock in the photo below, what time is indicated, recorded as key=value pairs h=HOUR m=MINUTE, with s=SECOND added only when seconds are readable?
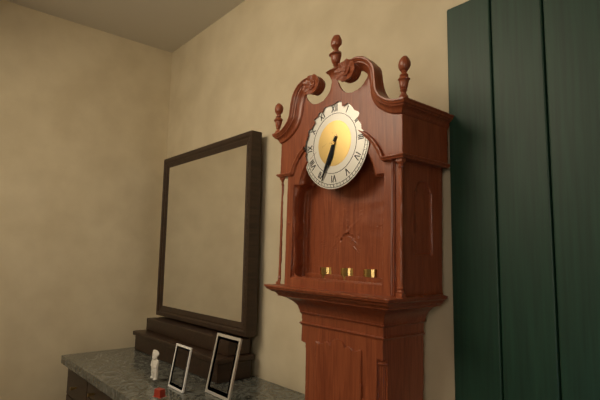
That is h=6 m=34
